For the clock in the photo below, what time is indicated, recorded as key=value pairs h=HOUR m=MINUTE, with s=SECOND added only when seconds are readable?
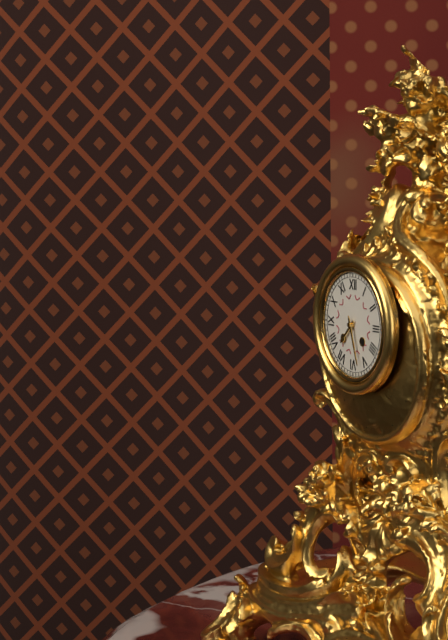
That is h=7 m=27
